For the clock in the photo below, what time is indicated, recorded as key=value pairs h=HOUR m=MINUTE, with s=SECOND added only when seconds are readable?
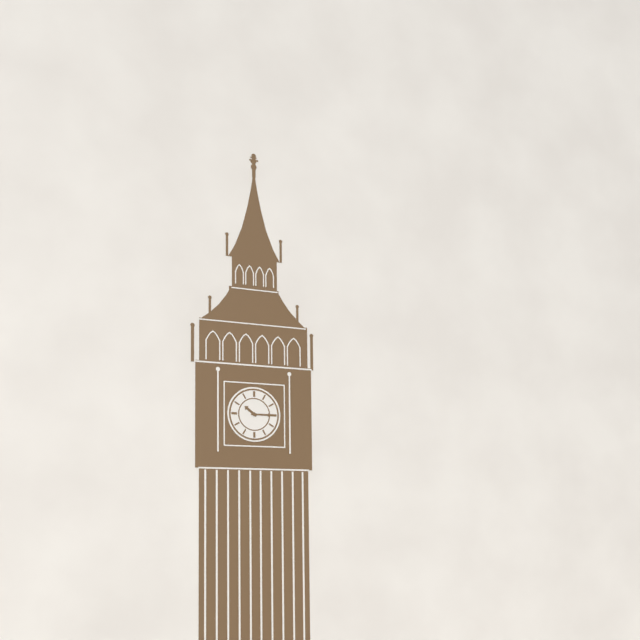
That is h=10 m=15
